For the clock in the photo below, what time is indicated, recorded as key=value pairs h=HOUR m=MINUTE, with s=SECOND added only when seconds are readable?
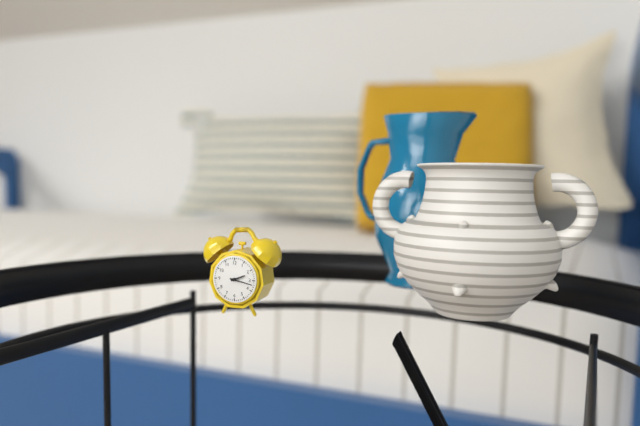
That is h=2 m=17
